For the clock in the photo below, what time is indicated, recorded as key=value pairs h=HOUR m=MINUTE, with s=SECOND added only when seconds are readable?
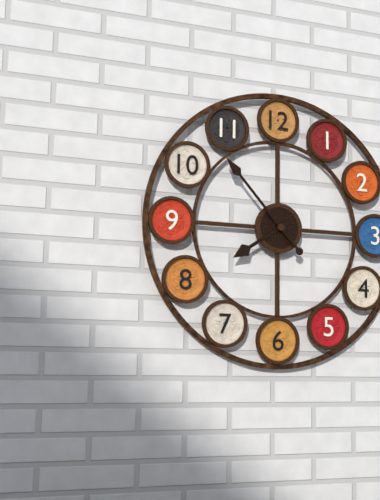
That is h=7 m=53
